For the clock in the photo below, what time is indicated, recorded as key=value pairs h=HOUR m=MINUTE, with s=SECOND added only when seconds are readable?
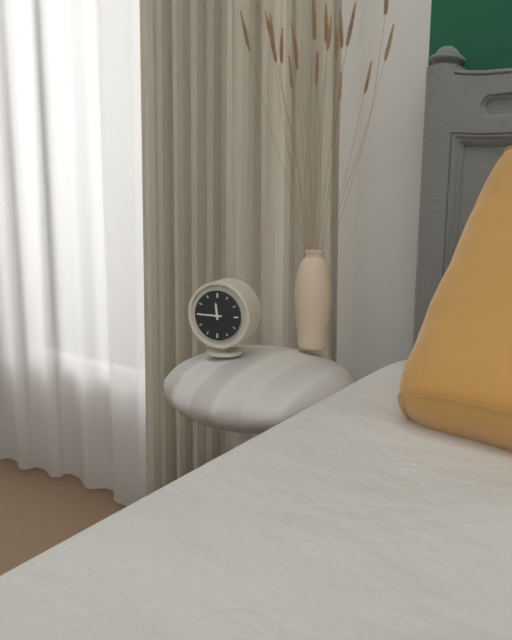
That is h=11 m=45
